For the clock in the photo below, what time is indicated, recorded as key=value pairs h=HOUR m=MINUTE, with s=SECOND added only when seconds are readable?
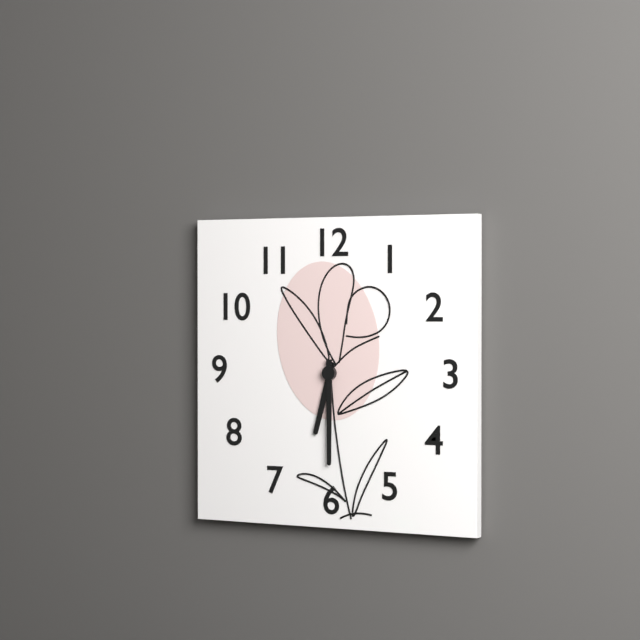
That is h=6 m=30
